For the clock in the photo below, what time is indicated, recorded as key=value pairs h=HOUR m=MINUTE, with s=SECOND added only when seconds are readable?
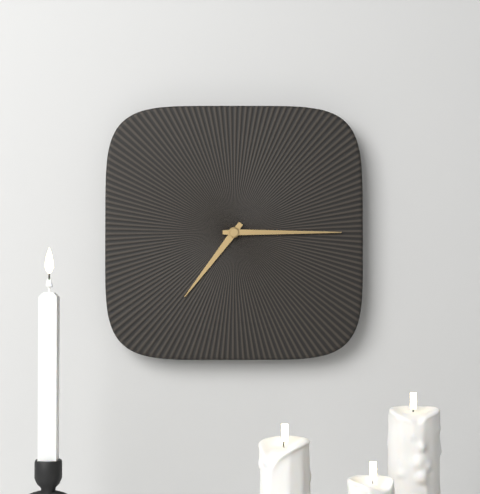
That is h=7 m=15
